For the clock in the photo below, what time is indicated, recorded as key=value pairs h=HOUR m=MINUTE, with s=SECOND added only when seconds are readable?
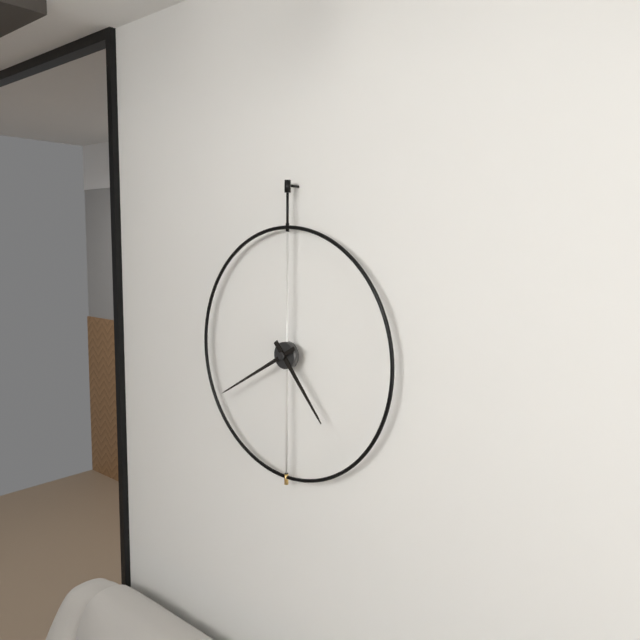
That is h=4 m=40
